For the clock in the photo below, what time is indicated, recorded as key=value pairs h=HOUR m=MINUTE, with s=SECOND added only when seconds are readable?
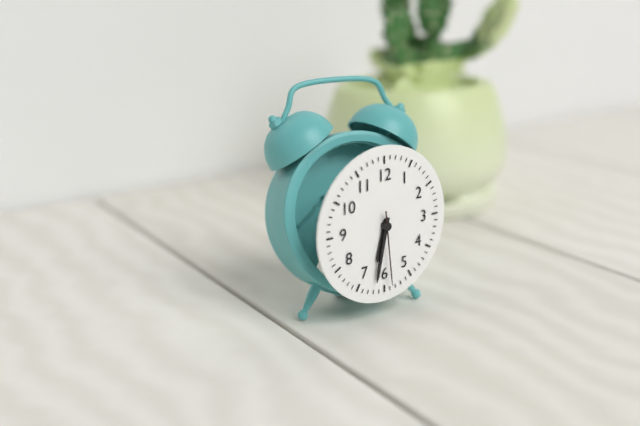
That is h=6 m=32 s=29
